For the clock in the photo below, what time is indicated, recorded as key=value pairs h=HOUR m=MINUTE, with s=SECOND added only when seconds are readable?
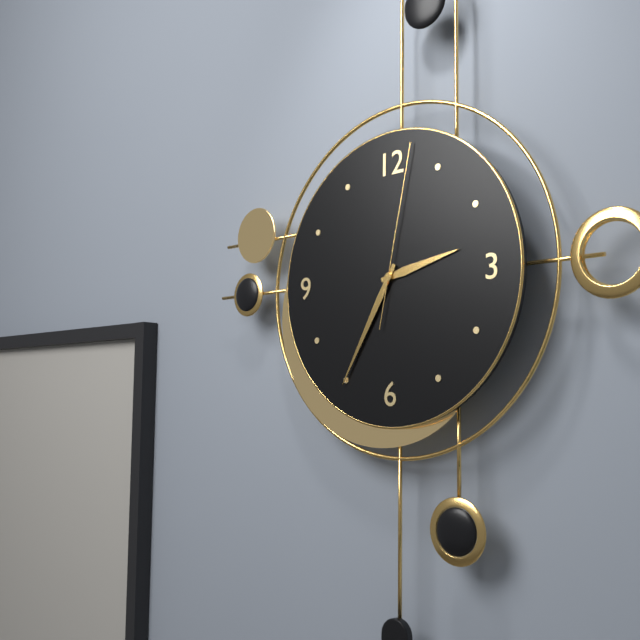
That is h=2 m=35 s=2
